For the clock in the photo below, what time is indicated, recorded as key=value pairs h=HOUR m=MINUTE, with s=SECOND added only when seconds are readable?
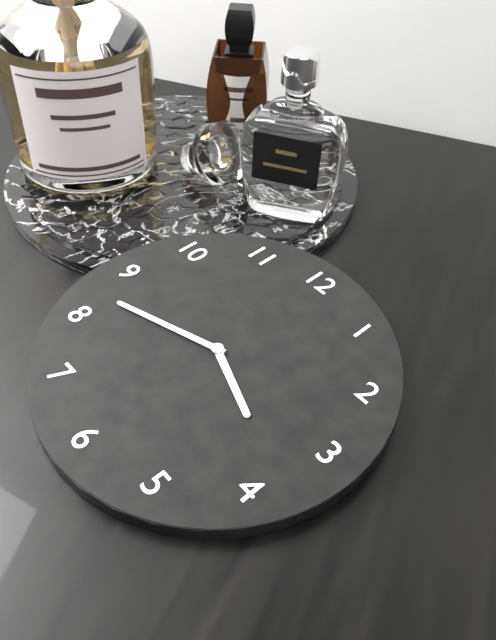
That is h=3 m=42
